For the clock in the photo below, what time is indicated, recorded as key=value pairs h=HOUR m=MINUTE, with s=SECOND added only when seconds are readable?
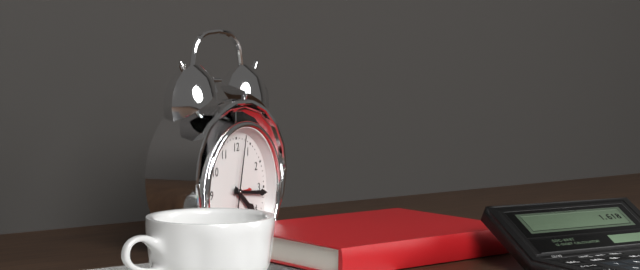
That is h=4 m=16 s=2
